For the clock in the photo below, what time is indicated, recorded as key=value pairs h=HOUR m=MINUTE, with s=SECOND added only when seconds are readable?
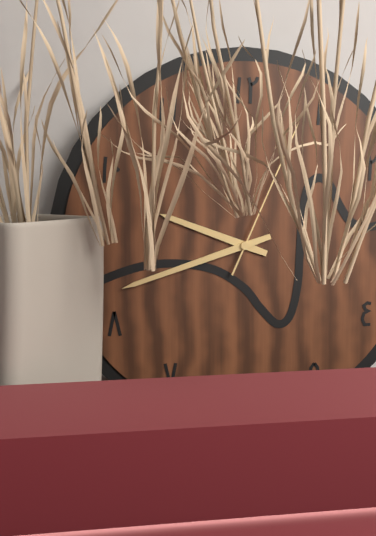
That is h=9 m=42
